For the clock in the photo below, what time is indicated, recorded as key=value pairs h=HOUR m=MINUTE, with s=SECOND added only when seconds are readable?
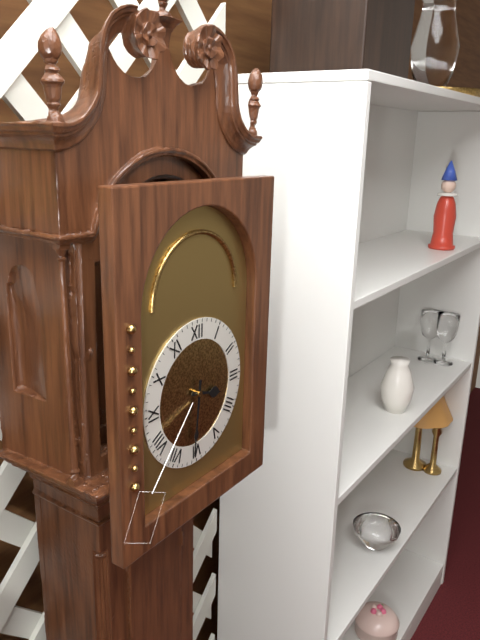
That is h=3 m=31
